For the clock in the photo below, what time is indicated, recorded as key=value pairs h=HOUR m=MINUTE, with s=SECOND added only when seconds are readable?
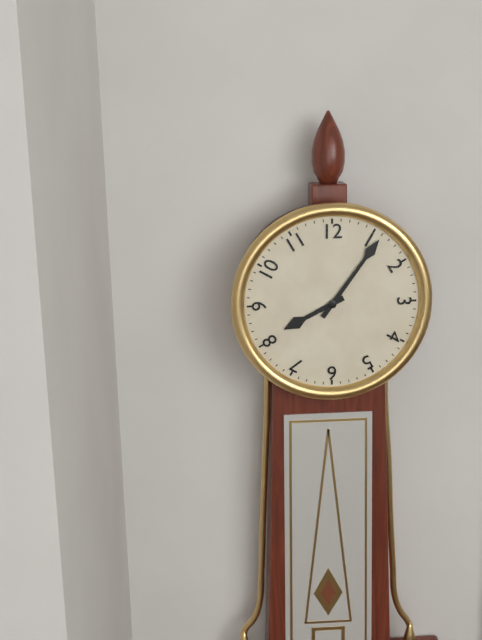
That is h=8 m=6
